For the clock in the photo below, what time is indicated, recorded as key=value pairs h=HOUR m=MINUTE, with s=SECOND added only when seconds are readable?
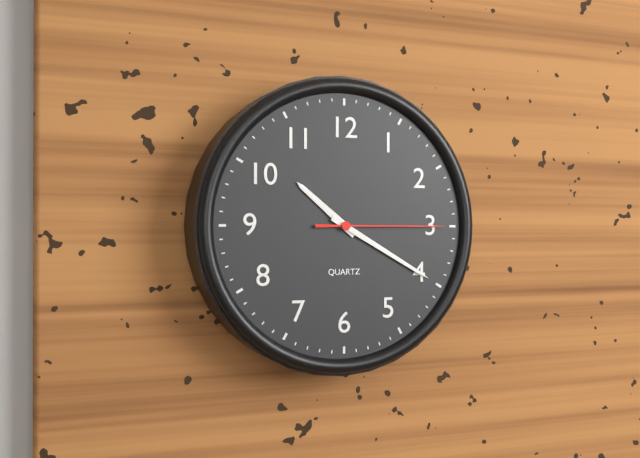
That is h=10 m=20 s=15
